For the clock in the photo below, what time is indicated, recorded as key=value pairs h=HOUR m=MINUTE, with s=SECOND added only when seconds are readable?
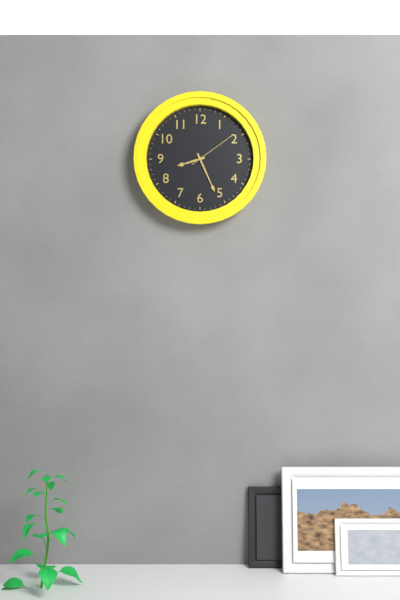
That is h=8 m=26 s=9
